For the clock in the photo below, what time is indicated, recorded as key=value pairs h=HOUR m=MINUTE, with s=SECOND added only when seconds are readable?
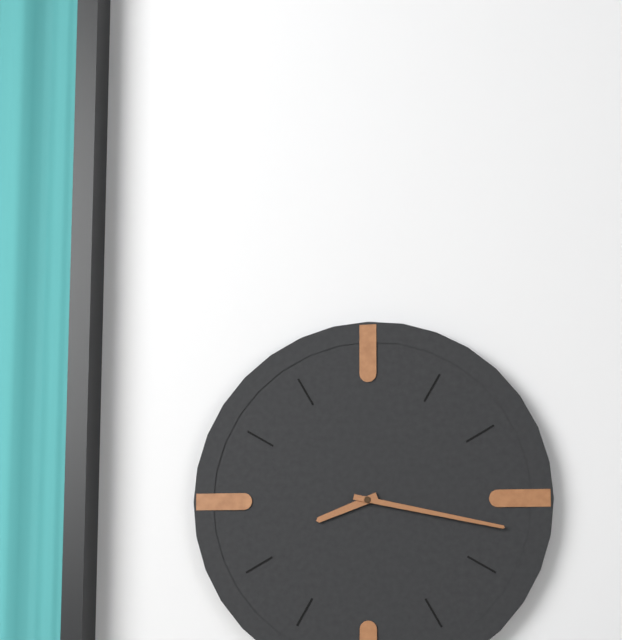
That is h=8 m=17
